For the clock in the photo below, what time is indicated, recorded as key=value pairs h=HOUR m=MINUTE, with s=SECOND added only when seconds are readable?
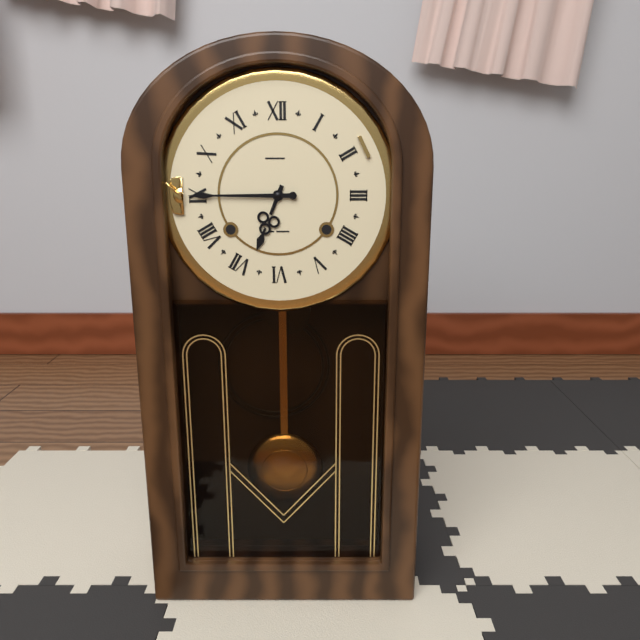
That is h=6 m=45
